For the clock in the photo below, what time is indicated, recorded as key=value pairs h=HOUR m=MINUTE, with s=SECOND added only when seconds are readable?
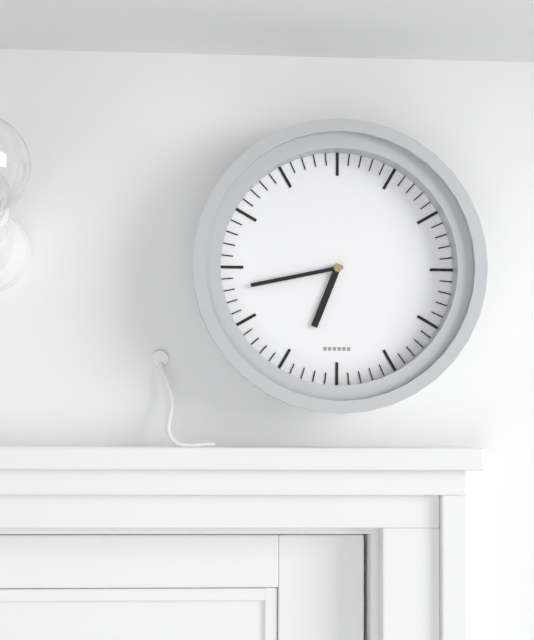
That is h=6 m=43
